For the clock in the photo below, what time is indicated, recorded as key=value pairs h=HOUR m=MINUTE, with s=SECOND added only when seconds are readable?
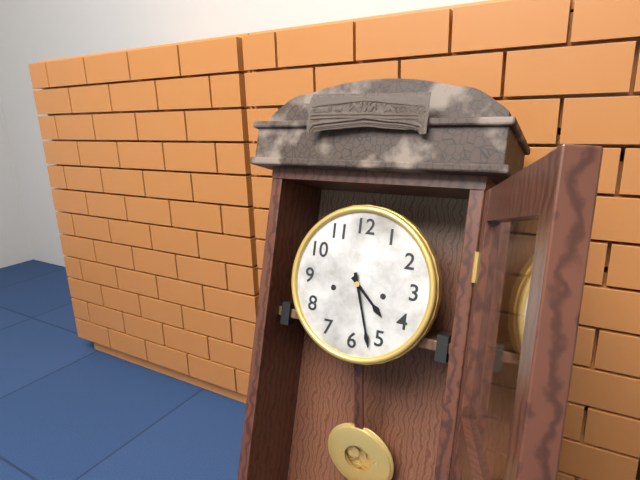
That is h=4 m=27
